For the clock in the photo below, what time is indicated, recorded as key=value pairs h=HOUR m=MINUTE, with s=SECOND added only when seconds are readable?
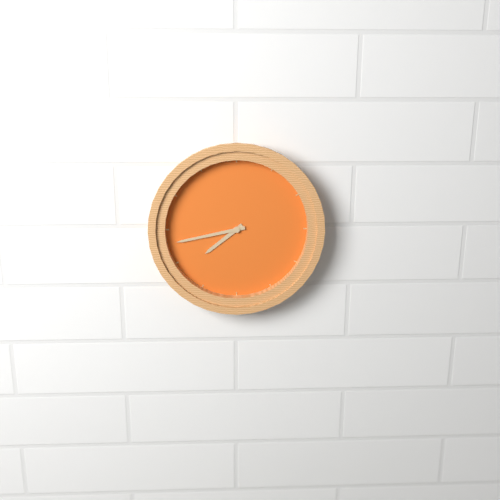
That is h=7 m=43
